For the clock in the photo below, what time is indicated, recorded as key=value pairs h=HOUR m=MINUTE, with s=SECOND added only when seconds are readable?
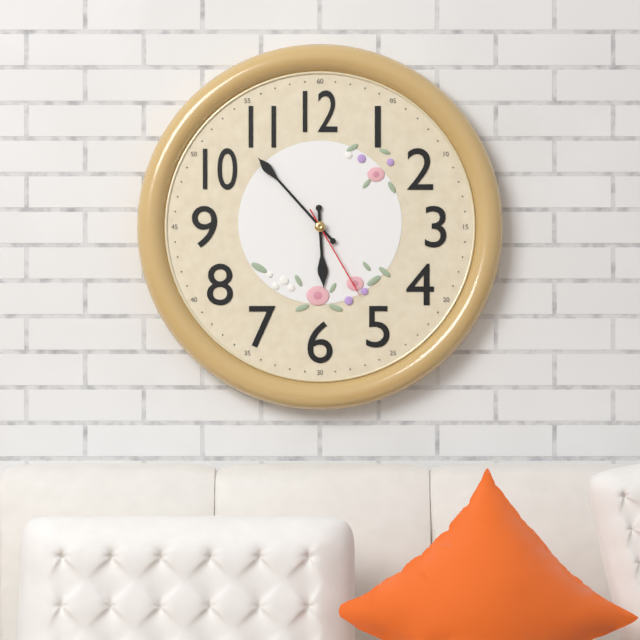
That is h=5 m=53 s=25
